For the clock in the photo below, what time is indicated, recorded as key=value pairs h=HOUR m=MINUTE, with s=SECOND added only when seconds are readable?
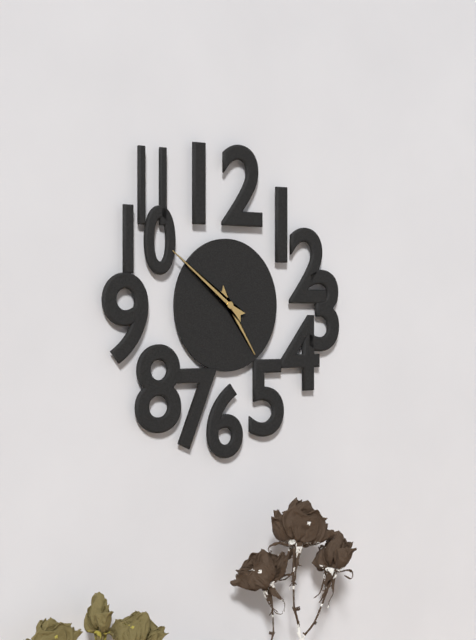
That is h=4 m=51
